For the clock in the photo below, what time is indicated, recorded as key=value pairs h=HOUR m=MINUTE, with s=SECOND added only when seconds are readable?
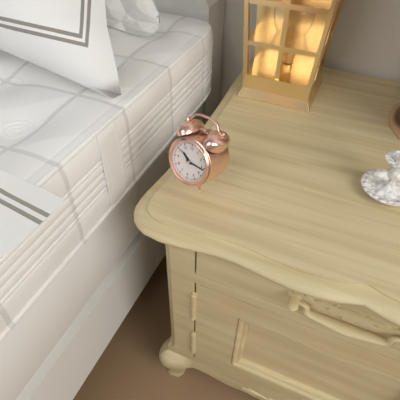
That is h=10 m=16
